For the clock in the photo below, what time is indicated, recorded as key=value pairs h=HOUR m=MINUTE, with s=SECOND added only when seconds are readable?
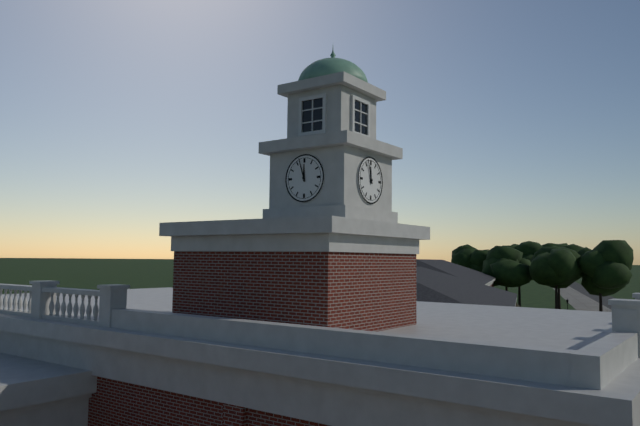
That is h=11 m=57
